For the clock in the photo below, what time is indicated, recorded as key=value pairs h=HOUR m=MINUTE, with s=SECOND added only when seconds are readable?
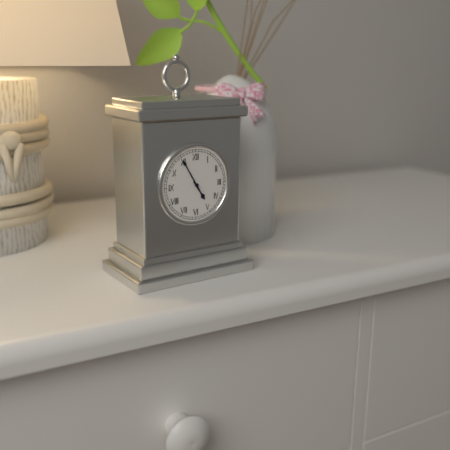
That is h=4 m=55
